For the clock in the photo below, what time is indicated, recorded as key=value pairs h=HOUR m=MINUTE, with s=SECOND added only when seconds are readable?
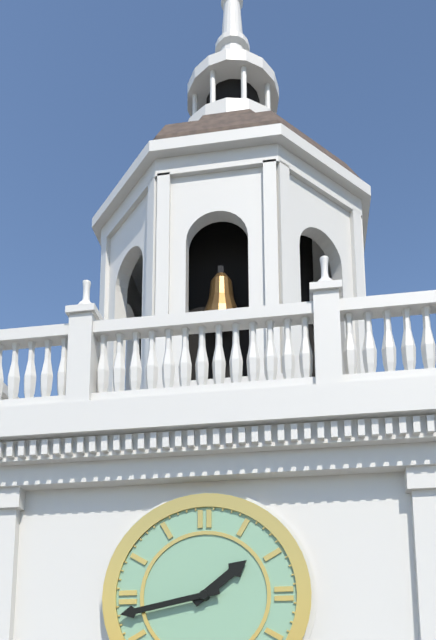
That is h=1 m=43
